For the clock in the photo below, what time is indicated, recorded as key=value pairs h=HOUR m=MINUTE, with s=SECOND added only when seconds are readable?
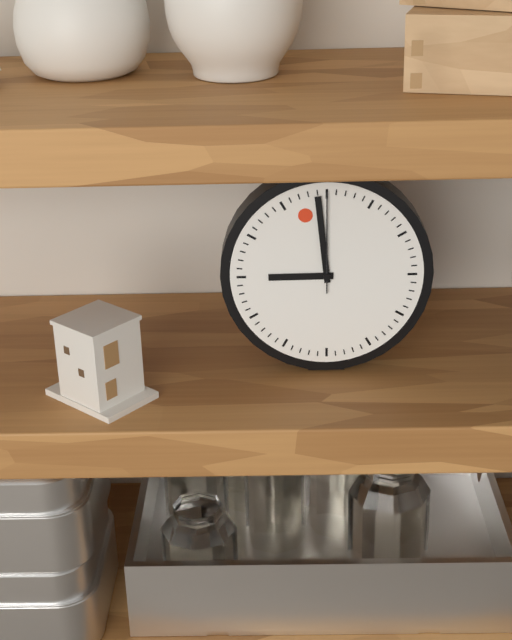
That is h=8 m=59 s=0
